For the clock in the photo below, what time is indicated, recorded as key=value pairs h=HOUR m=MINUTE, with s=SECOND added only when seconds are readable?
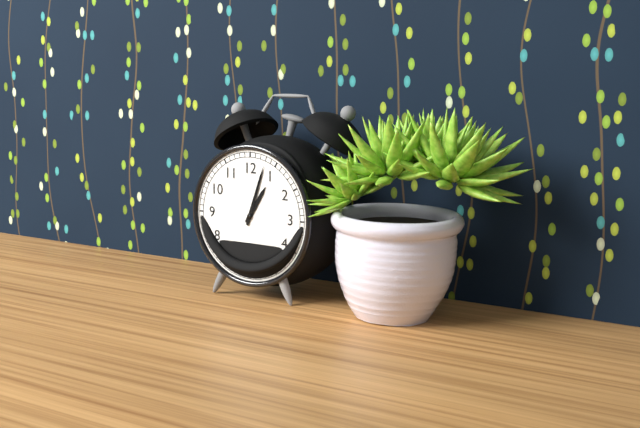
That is h=1 m=3
